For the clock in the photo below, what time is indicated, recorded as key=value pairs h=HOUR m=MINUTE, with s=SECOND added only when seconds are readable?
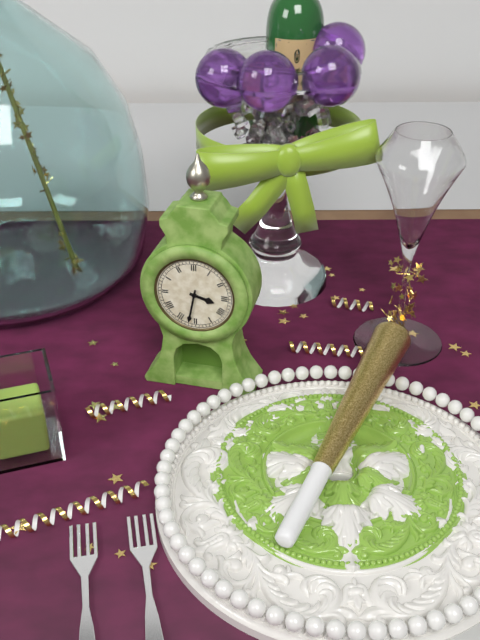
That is h=3 m=32
